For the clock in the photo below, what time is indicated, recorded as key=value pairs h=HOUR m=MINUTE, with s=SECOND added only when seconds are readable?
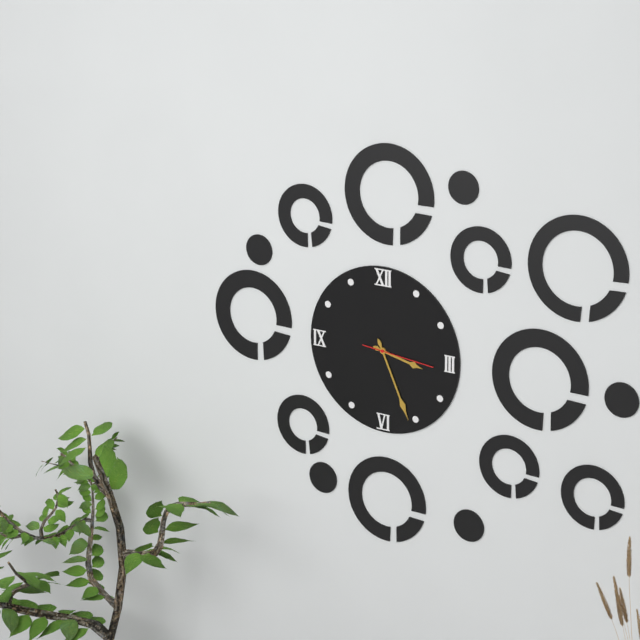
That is h=3 m=26 s=16
